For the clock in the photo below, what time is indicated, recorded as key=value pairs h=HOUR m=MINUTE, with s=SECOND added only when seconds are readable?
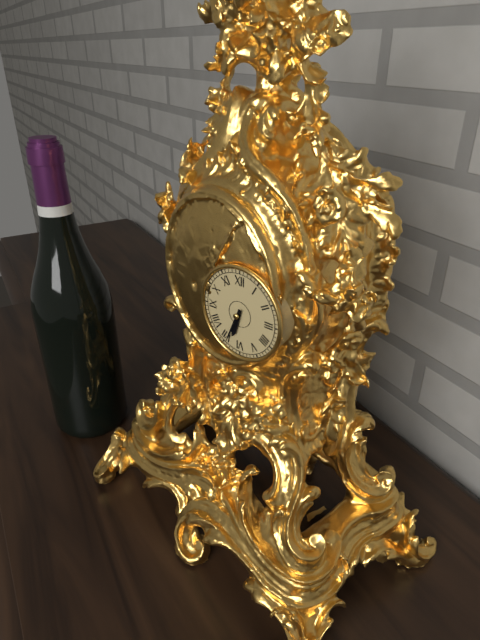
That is h=6 m=34
